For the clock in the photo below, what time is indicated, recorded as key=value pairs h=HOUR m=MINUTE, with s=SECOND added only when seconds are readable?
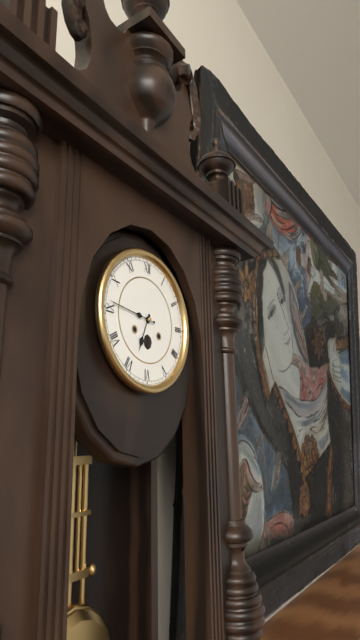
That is h=6 m=46
